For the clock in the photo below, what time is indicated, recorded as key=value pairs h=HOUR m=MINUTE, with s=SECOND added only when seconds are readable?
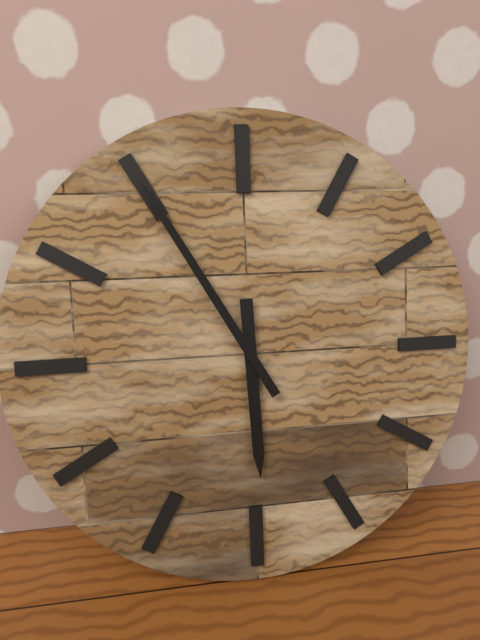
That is h=5 m=55
